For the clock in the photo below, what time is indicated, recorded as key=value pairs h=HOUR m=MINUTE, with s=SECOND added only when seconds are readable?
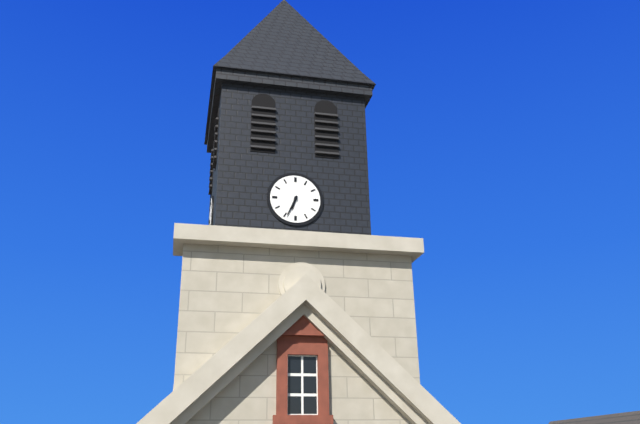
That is h=6 m=34
